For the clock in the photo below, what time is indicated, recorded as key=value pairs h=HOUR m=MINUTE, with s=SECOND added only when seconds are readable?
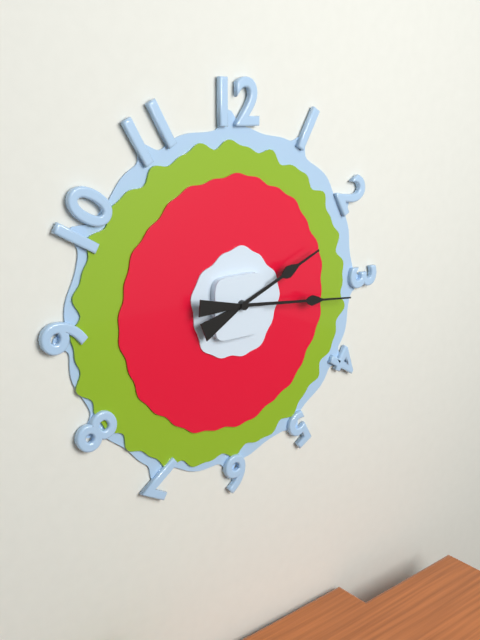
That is h=2 m=16
